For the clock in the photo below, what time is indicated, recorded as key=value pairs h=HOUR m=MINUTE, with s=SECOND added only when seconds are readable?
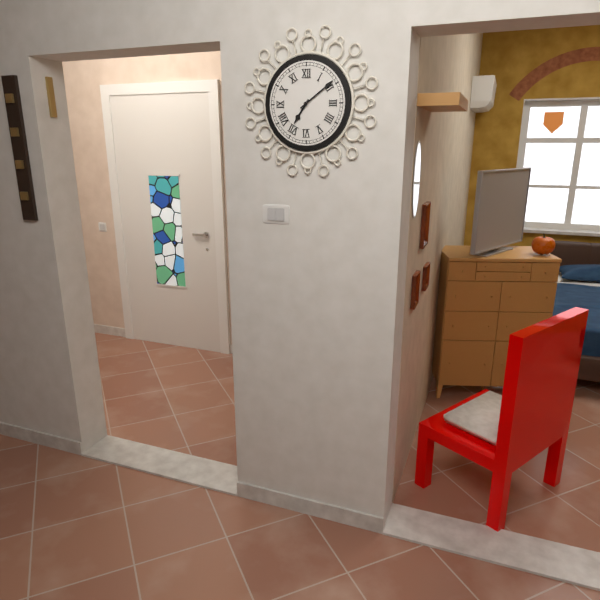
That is h=7 m=9
